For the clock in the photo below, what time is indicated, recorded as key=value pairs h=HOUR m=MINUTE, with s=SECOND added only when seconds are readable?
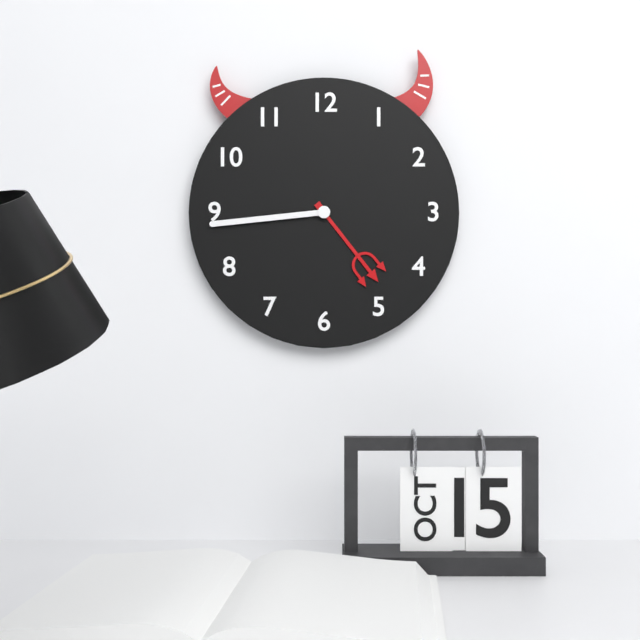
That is h=4 m=44
